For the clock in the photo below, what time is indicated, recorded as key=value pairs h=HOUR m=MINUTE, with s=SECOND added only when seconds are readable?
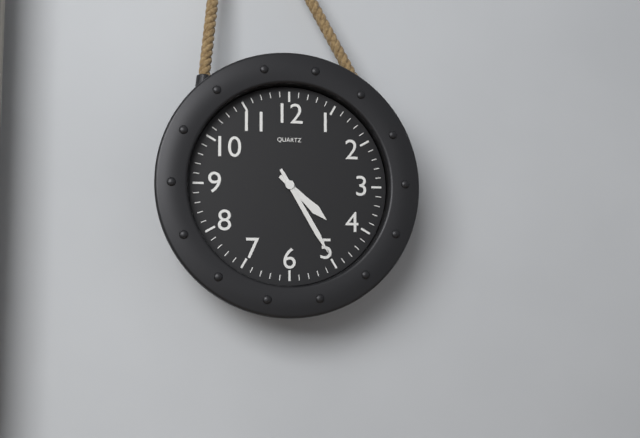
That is h=4 m=25
